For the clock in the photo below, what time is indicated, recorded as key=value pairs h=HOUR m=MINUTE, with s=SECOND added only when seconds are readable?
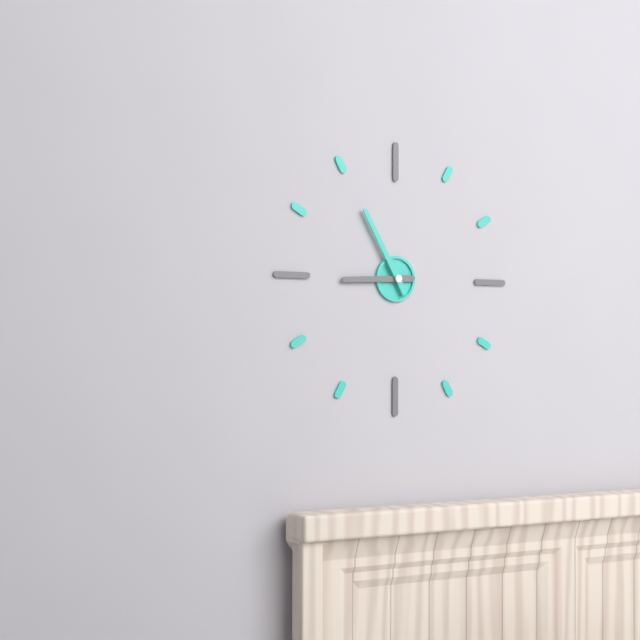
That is h=8 m=55
